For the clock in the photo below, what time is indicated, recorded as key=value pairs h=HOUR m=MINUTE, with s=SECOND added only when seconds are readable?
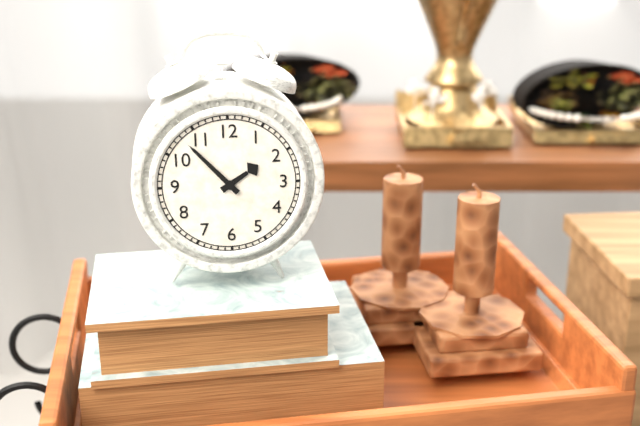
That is h=1 m=53
